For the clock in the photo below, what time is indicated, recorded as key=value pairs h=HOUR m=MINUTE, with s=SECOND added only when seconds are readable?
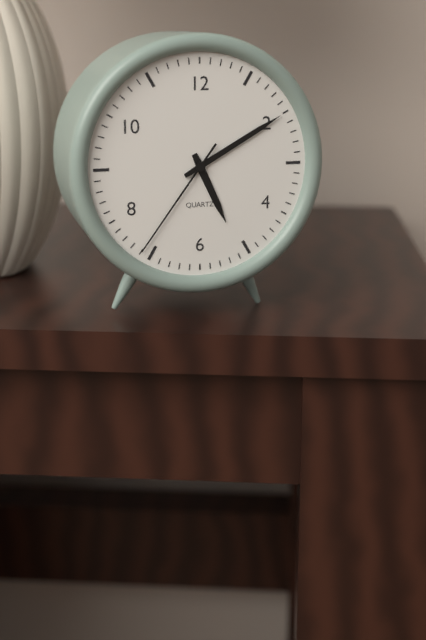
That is h=5 m=10 s=36
